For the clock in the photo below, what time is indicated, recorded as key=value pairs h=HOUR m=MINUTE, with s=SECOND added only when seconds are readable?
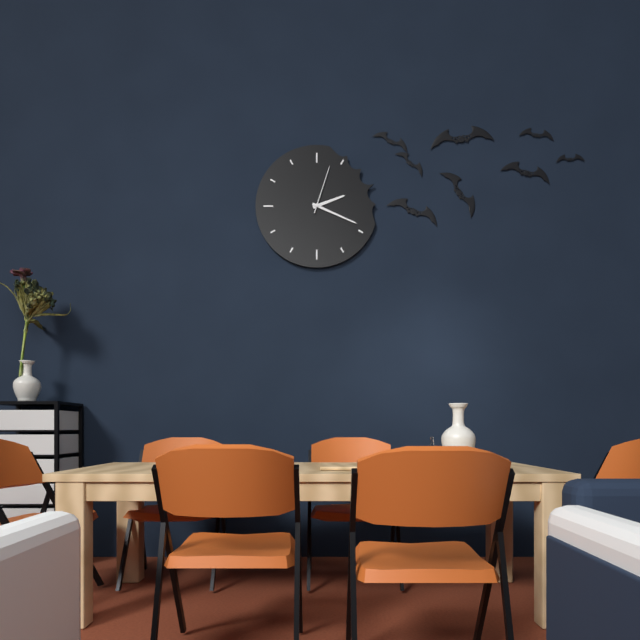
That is h=2 m=19 s=3
